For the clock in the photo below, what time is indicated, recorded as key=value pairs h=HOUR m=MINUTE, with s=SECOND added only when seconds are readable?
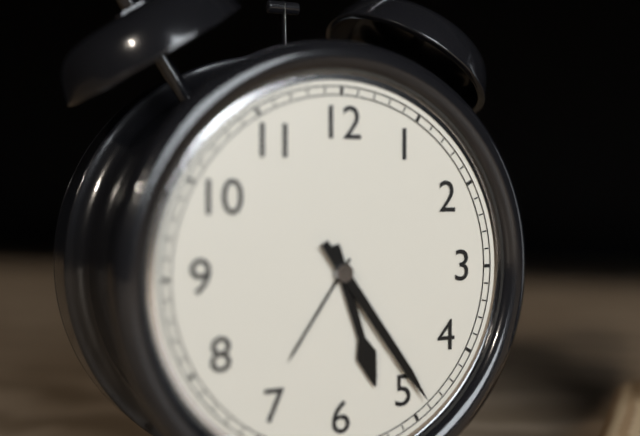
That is h=5 m=24
